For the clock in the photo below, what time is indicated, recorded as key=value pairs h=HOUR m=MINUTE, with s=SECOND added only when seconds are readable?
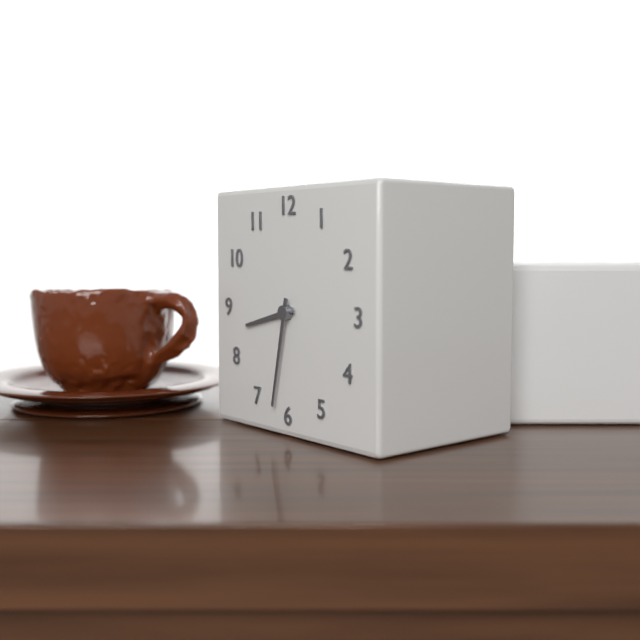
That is h=8 m=32
